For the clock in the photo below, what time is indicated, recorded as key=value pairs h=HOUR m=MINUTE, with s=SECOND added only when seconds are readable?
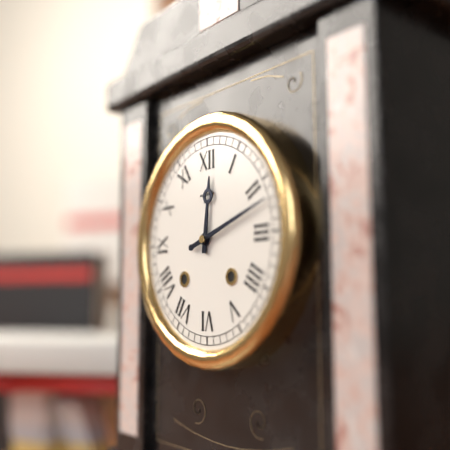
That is h=12 m=12
